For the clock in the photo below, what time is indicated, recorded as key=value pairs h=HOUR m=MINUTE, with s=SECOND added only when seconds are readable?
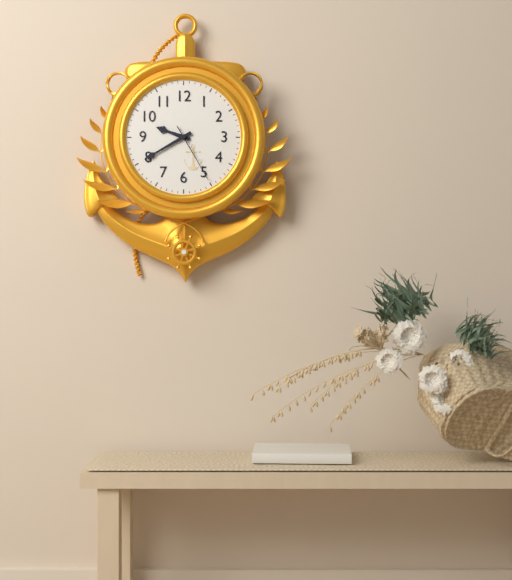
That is h=9 m=40 s=25
